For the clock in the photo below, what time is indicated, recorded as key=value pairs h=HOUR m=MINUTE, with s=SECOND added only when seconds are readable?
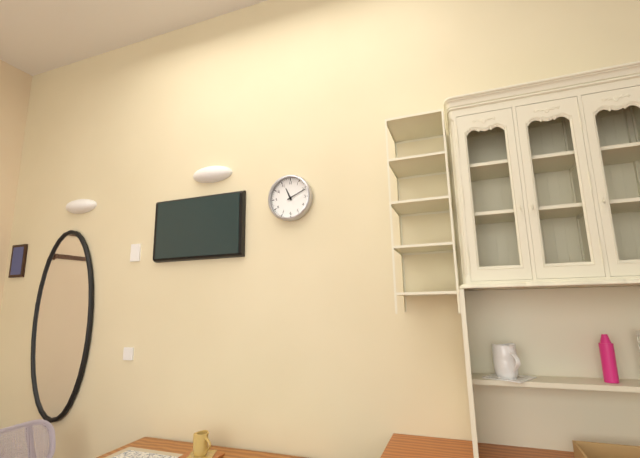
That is h=11 m=11
